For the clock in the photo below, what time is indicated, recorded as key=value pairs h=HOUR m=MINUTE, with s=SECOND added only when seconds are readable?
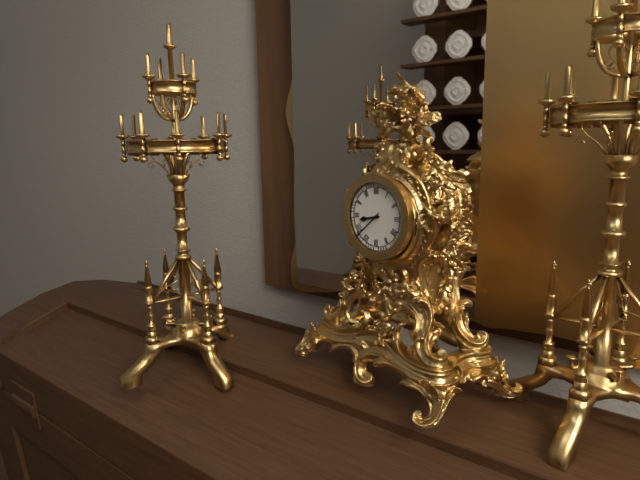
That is h=8 m=38
